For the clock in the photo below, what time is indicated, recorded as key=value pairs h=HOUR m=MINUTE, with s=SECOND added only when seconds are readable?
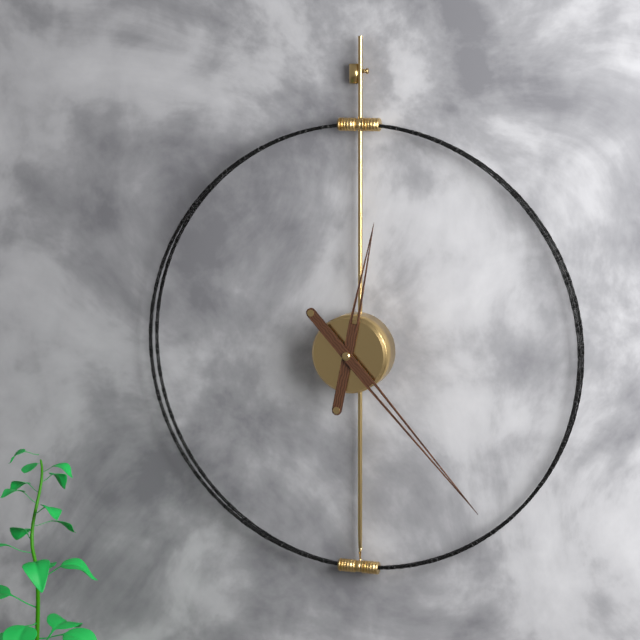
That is h=12 m=23
